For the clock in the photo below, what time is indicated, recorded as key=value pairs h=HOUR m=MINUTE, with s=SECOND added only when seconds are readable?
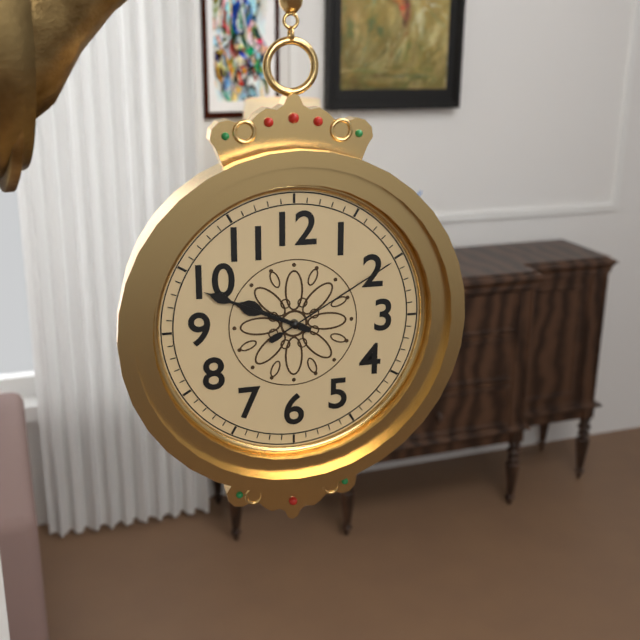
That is h=9 m=49 s=10
